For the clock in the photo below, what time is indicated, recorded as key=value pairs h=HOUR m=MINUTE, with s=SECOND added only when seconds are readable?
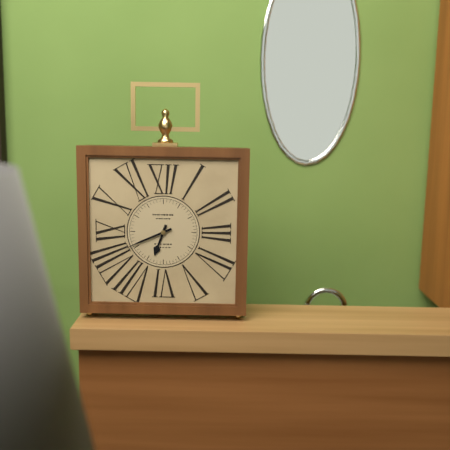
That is h=6 m=41
